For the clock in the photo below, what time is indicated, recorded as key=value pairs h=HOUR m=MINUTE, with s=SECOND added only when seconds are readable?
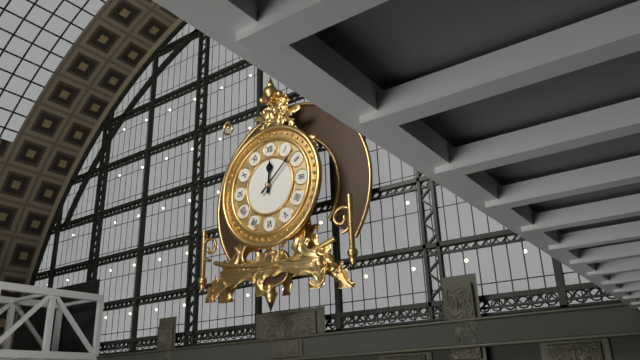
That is h=12 m=8
